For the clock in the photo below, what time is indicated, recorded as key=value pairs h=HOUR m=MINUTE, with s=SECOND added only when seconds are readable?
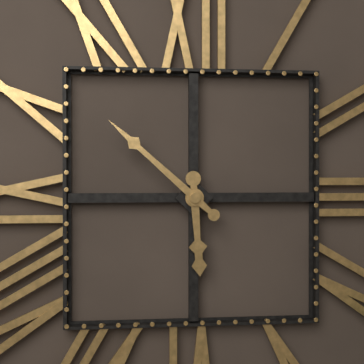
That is h=5 m=52
